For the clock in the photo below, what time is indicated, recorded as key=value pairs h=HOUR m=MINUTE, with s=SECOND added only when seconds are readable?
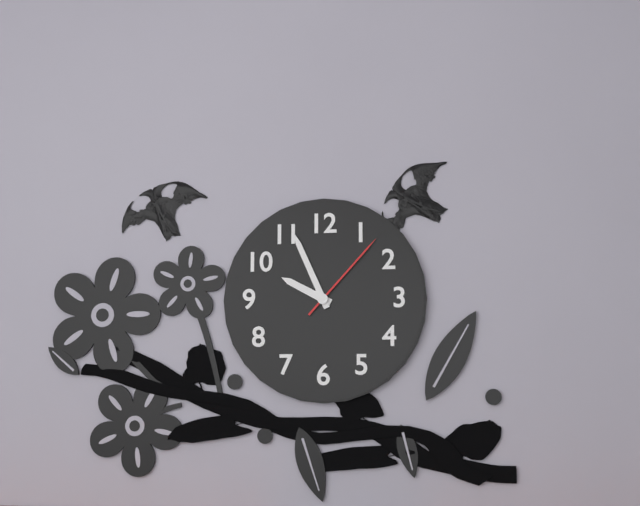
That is h=9 m=56 s=7
